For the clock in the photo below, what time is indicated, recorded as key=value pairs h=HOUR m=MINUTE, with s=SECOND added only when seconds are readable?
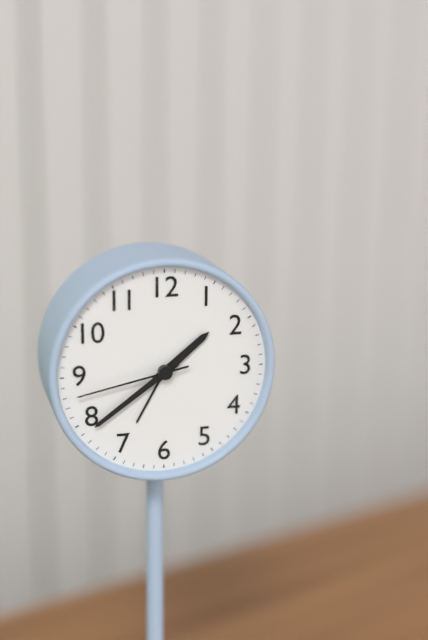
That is h=1 m=39 s=43
